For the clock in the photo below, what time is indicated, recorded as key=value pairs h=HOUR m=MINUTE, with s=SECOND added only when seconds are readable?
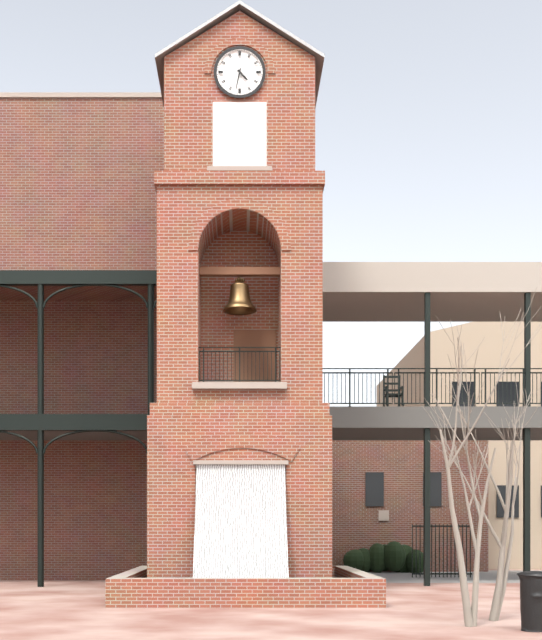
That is h=4 m=32
